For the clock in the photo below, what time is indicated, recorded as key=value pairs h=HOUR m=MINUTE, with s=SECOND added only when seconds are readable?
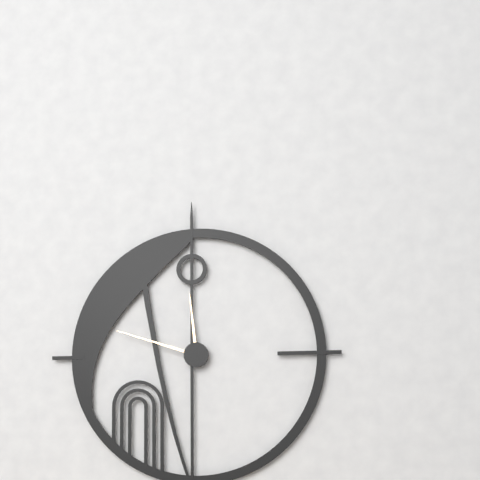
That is h=11 m=48
